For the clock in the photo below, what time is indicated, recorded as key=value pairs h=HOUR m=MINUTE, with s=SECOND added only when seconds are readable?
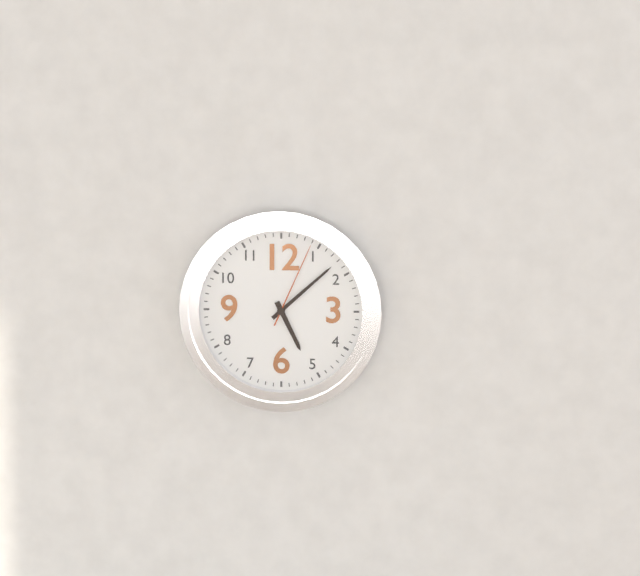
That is h=5 m=8 s=4
